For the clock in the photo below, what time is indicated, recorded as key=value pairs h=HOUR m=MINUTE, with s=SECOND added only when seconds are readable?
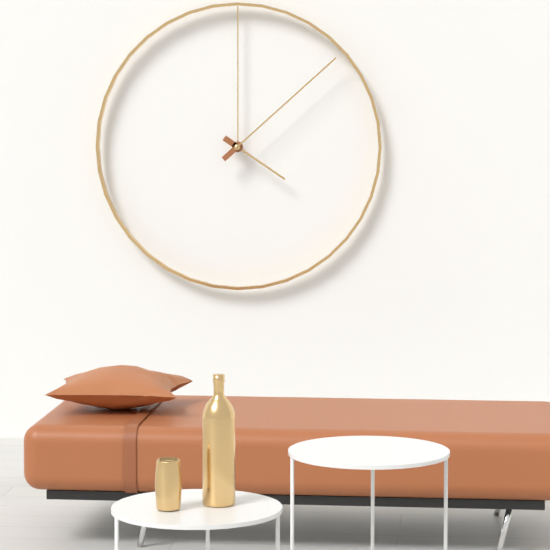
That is h=4 m=8
